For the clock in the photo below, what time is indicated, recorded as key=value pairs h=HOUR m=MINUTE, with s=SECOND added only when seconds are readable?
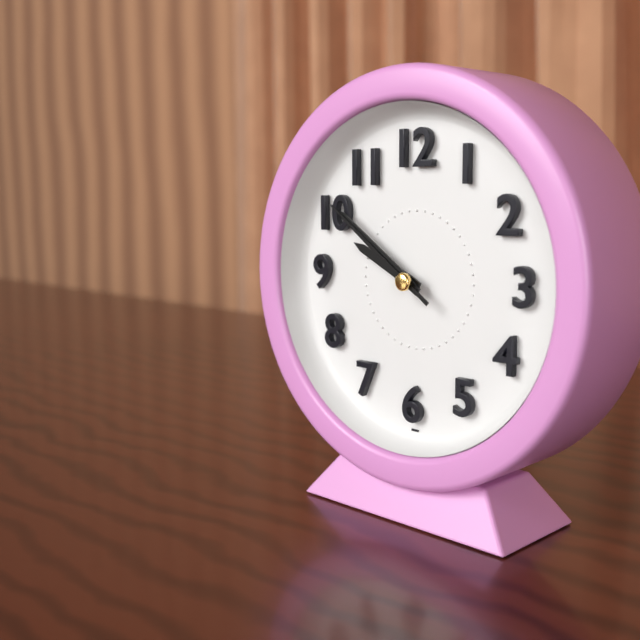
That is h=9 m=51 s=51
